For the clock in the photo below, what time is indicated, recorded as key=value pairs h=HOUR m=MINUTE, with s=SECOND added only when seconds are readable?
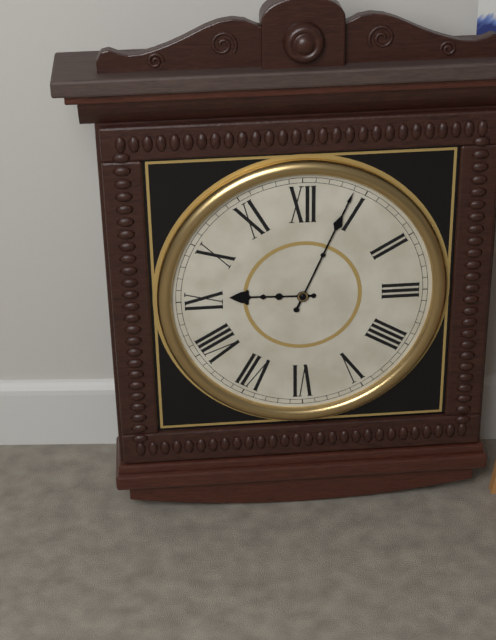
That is h=9 m=4
